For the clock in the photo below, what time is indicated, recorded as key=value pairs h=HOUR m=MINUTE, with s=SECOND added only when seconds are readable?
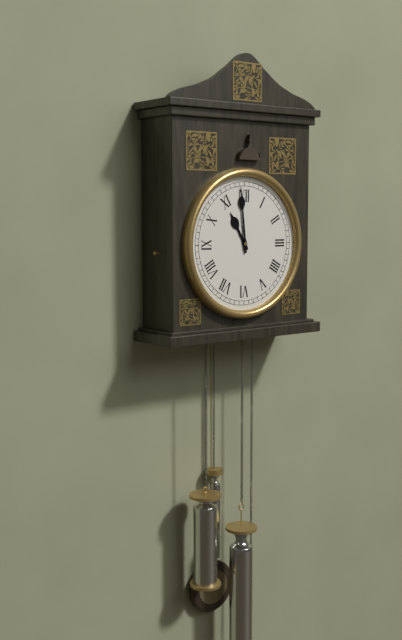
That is h=10 m=59
